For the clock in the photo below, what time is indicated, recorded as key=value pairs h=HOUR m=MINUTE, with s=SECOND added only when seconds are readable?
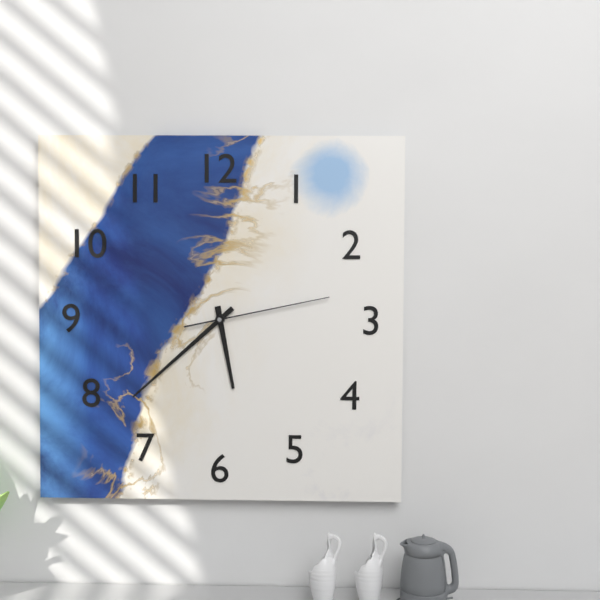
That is h=5 m=38 s=13
